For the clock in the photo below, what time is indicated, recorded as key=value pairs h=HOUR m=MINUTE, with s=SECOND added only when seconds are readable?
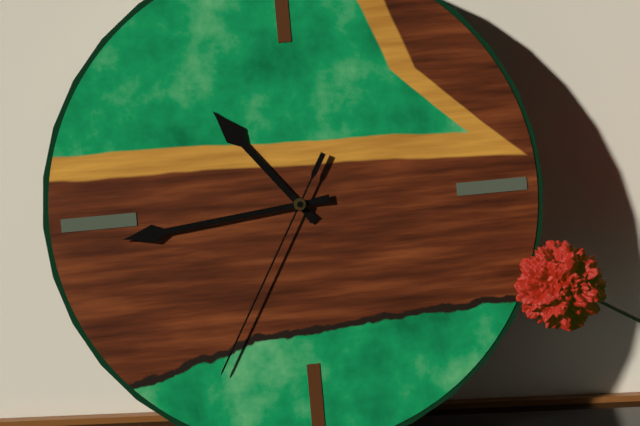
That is h=10 m=44 s=35
